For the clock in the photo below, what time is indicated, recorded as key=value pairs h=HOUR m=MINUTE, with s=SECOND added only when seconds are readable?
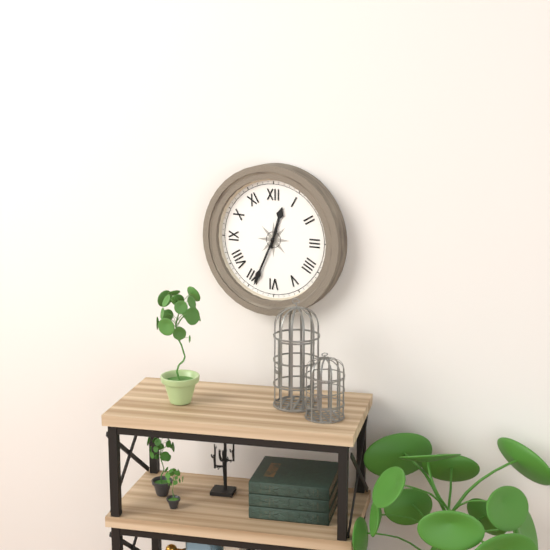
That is h=12 m=34
